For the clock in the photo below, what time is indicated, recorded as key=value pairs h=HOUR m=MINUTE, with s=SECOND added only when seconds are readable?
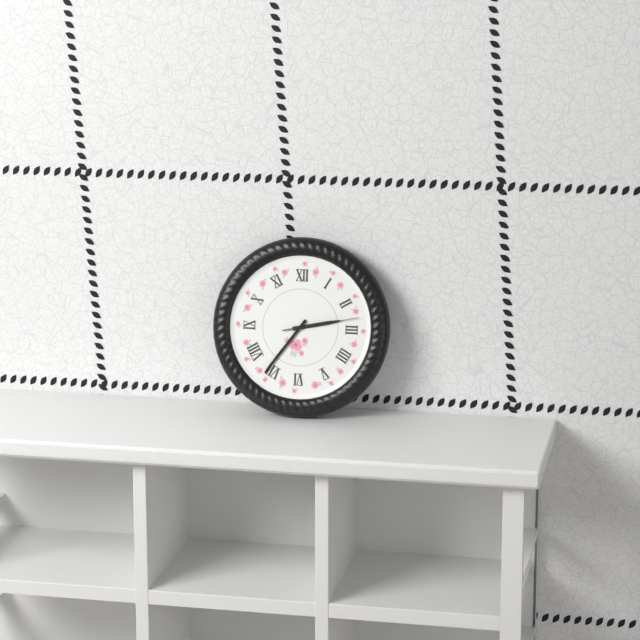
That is h=2 m=36 s=13
